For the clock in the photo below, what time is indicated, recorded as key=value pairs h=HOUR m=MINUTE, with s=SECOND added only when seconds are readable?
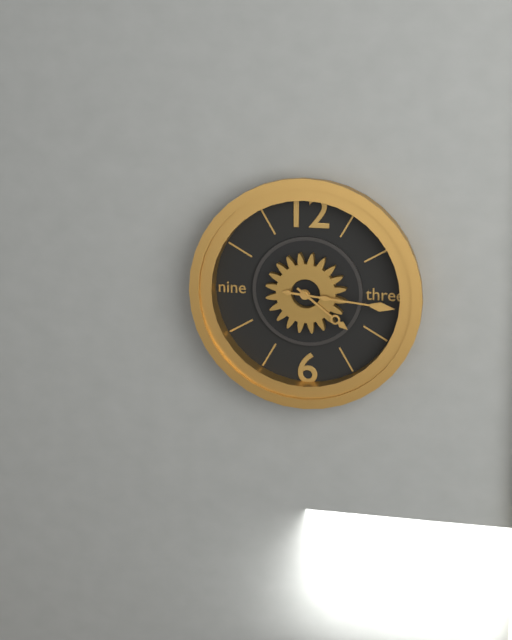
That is h=4 m=16
